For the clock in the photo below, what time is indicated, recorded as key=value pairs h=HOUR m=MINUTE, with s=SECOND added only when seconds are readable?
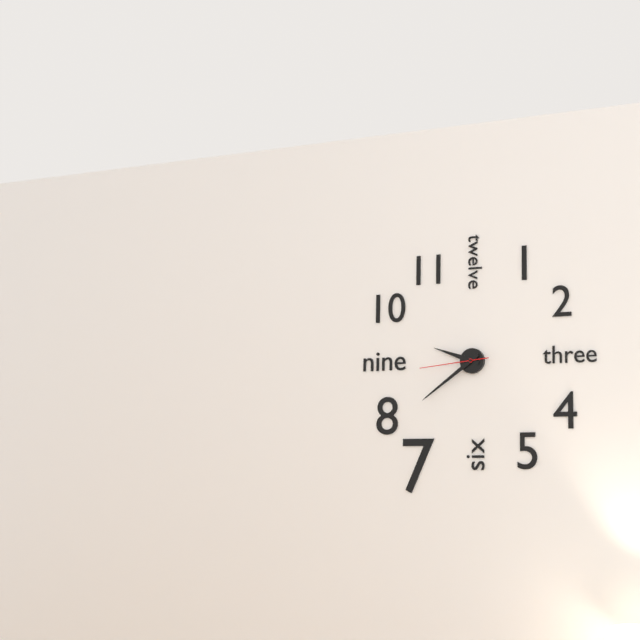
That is h=9 m=39 s=44
